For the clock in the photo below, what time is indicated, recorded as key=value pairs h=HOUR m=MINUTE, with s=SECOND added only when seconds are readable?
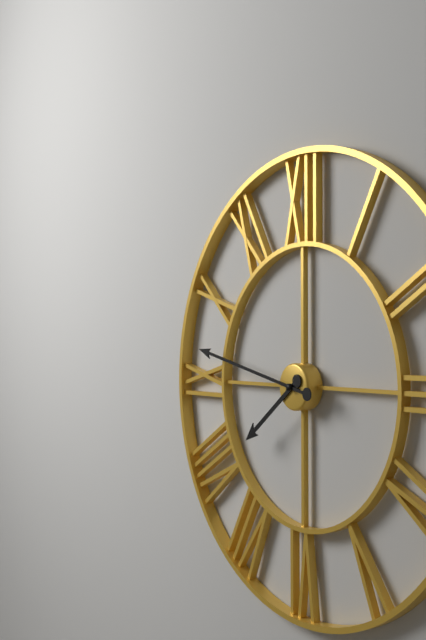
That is h=7 m=47
